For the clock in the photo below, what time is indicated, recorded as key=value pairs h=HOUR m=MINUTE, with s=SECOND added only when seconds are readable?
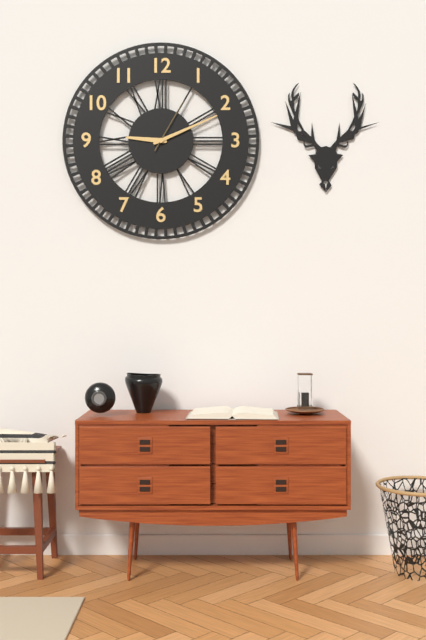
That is h=9 m=11 s=5
